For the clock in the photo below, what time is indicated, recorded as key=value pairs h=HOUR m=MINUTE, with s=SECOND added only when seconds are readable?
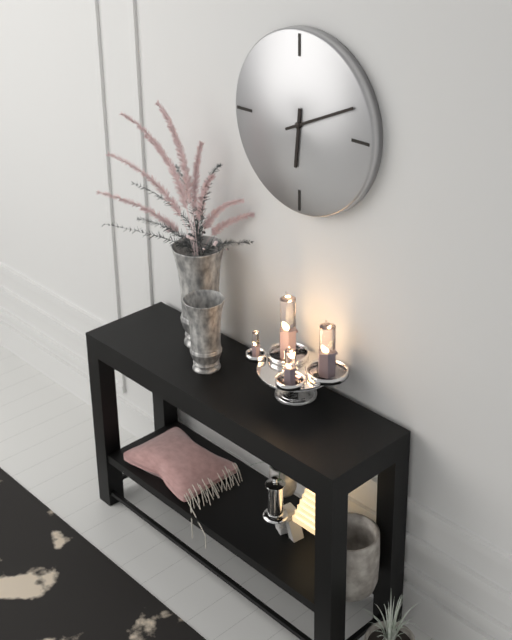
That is h=6 m=11
